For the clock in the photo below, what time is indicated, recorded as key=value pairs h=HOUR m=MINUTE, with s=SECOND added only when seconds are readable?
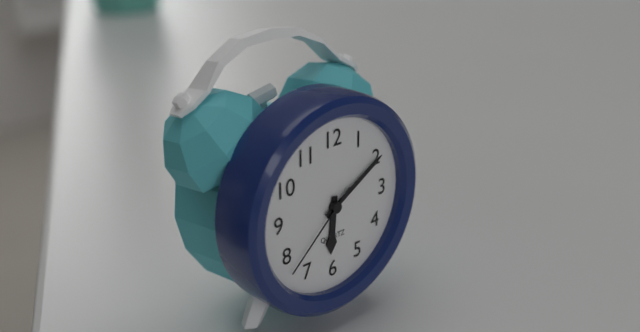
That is h=6 m=10 s=38
